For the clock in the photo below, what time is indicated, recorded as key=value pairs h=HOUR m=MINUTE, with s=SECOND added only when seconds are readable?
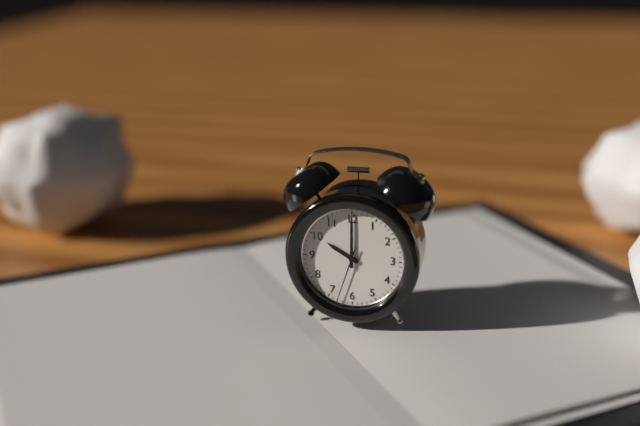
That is h=10 m=0 s=33
